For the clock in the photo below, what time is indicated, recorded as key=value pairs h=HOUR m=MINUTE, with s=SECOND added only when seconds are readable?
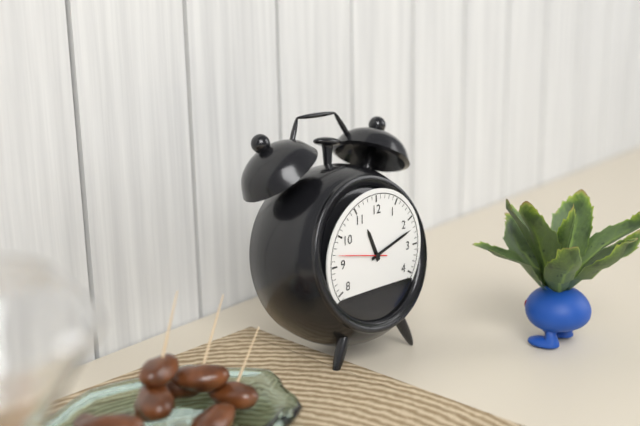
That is h=11 m=12 s=47
